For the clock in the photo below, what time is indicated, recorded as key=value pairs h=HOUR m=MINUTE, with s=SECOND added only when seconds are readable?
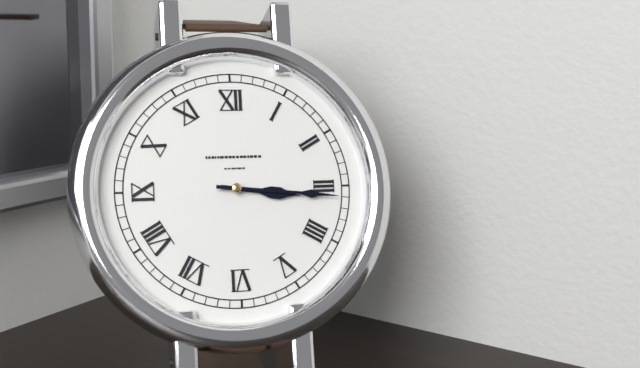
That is h=3 m=16
